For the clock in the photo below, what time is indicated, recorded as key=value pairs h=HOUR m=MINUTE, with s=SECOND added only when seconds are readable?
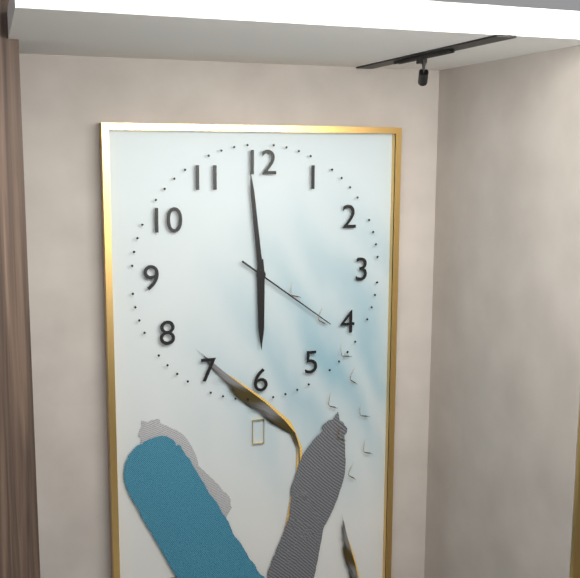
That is h=5 m=59 s=21
